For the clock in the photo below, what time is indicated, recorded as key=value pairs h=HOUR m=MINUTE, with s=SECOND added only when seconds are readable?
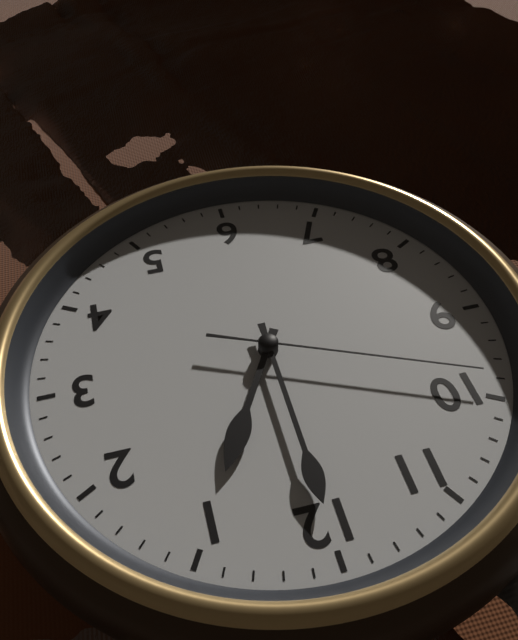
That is h=1 m=0 s=49
